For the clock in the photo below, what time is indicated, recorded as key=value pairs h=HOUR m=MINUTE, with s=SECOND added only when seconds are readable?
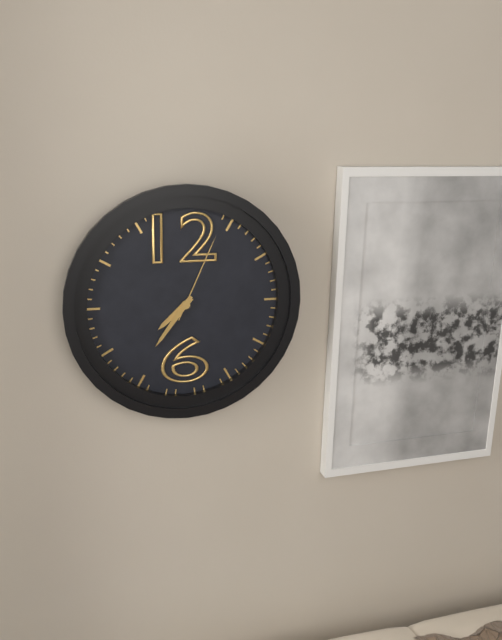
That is h=7 m=36 s=4
